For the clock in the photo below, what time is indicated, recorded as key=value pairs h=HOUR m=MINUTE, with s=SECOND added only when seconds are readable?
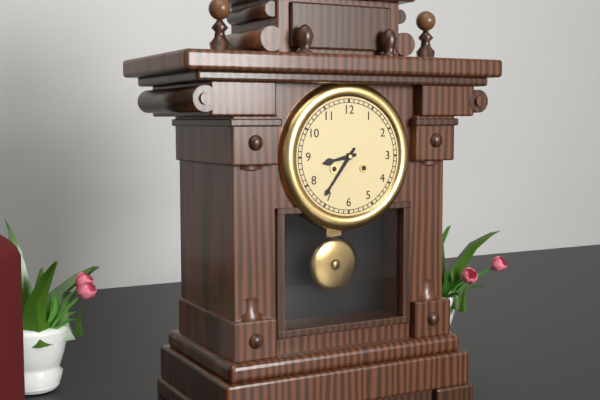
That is h=8 m=36
